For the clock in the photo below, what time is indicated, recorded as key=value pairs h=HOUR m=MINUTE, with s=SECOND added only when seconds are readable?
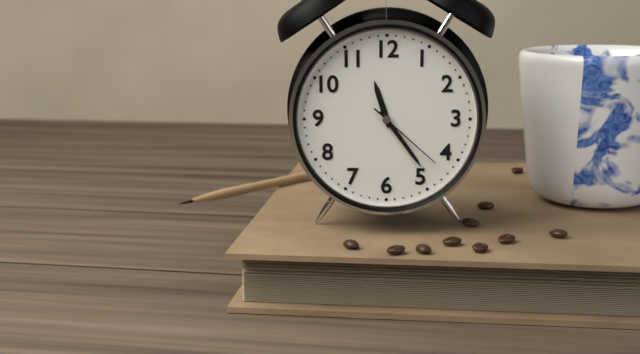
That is h=11 m=24 s=22
